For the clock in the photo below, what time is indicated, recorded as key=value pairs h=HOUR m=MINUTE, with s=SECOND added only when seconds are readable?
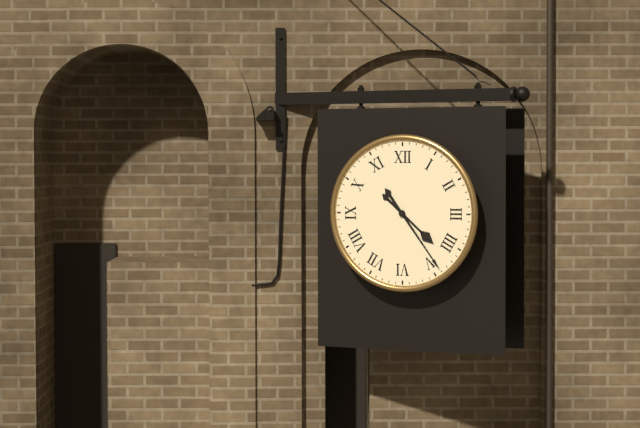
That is h=4 m=24
